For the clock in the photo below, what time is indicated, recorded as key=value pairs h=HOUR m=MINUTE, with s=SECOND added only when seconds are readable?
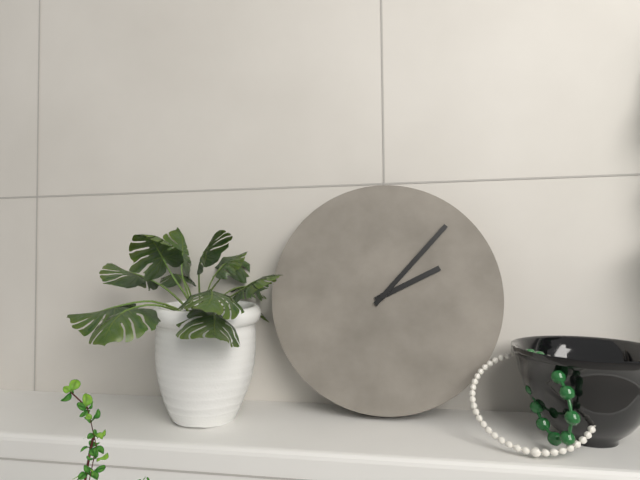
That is h=2 m=7
